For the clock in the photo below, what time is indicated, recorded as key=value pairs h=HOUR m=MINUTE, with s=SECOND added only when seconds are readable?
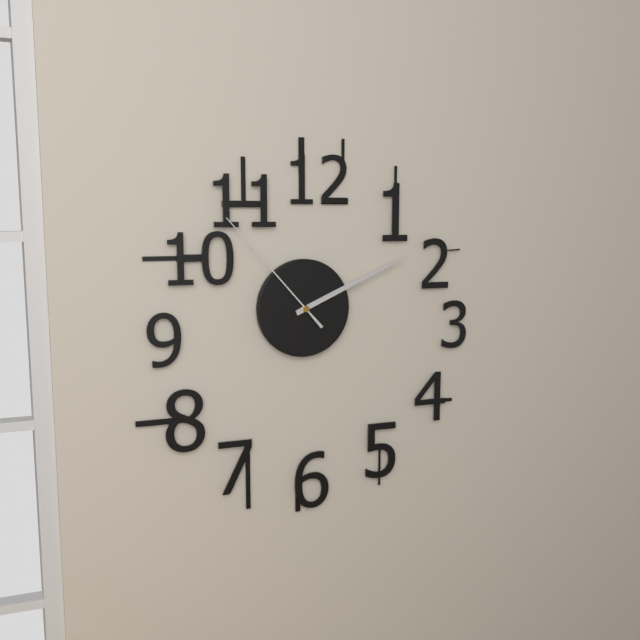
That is h=2 m=11 s=53
